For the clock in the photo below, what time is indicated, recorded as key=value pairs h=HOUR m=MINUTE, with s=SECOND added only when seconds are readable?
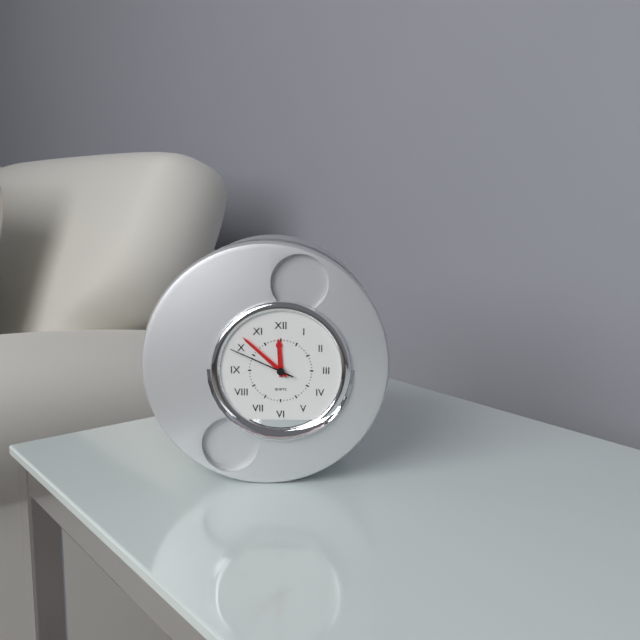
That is h=11 m=52 s=49
